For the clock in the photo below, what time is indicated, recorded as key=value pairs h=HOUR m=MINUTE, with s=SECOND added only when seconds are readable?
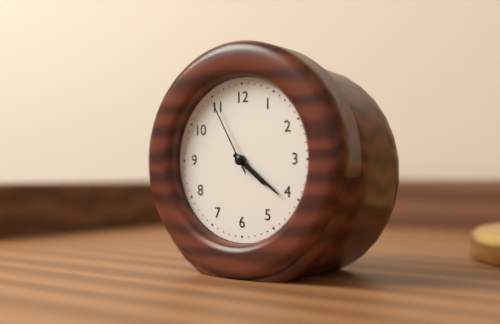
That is h=4 m=21 s=55
